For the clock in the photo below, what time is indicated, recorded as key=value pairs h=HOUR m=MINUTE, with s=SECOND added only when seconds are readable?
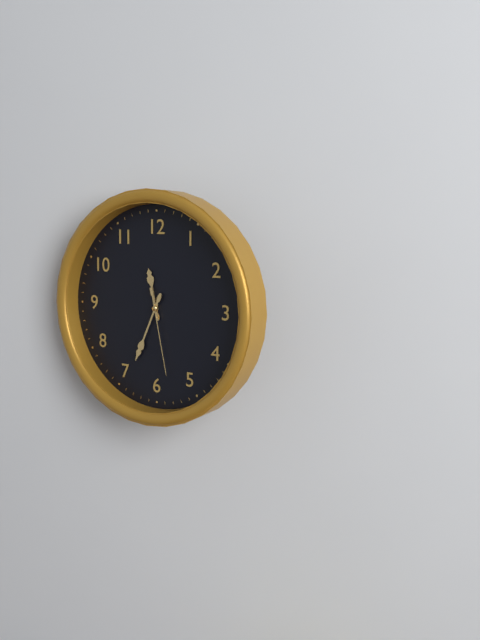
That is h=11 m=34 s=28
